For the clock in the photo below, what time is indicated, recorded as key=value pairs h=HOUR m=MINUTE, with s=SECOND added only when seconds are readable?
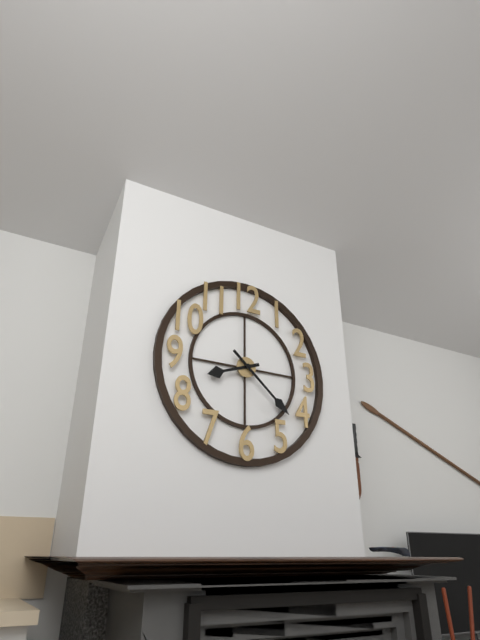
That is h=8 m=22
